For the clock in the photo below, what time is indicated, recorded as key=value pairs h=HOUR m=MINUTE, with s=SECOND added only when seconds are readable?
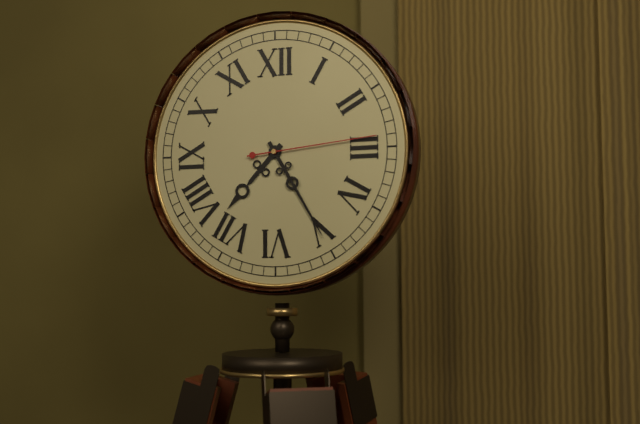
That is h=7 m=25 s=14
